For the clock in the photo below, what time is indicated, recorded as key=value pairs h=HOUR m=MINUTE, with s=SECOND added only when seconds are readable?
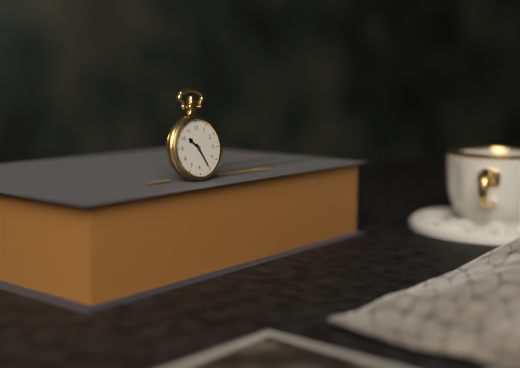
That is h=10 m=25
